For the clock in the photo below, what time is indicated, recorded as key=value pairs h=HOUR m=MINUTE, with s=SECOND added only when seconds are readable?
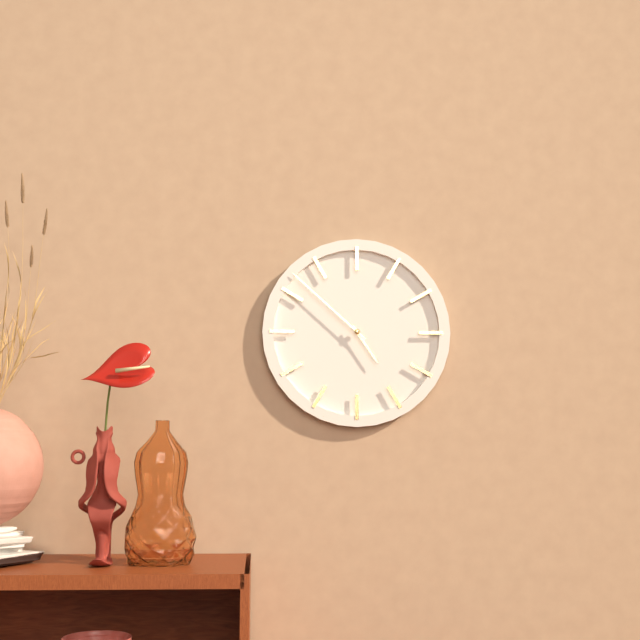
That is h=4 m=52
